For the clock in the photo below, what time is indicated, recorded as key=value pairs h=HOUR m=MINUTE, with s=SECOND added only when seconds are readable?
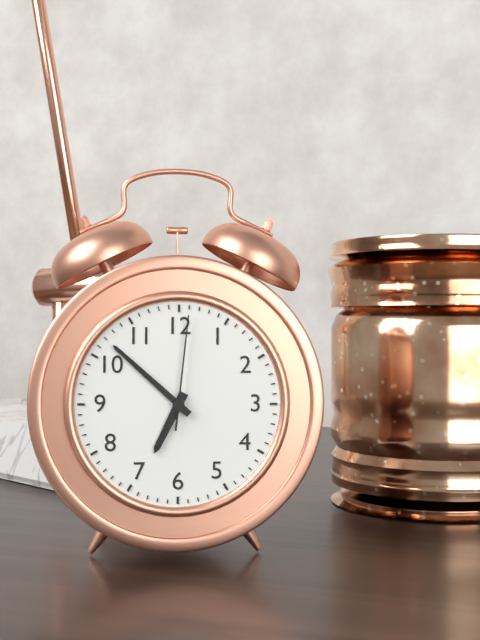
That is h=6 m=52 s=1
